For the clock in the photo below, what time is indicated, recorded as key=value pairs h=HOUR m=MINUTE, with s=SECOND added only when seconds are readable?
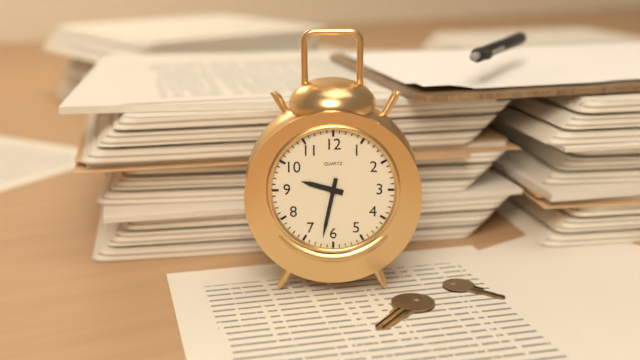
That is h=9 m=32
